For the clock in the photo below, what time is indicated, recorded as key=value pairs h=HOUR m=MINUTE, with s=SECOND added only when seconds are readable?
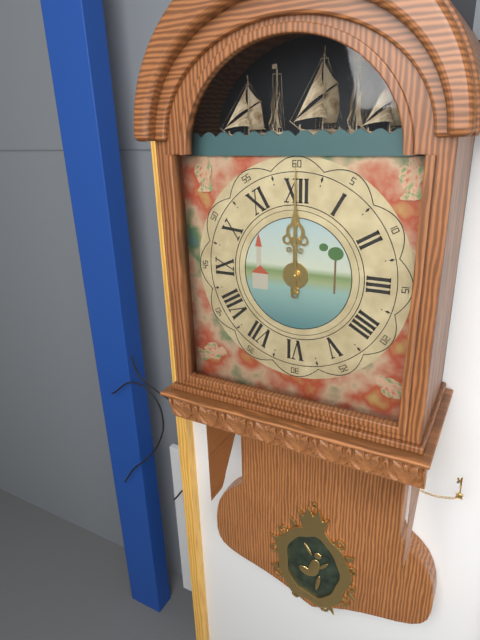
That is h=12 m=0
